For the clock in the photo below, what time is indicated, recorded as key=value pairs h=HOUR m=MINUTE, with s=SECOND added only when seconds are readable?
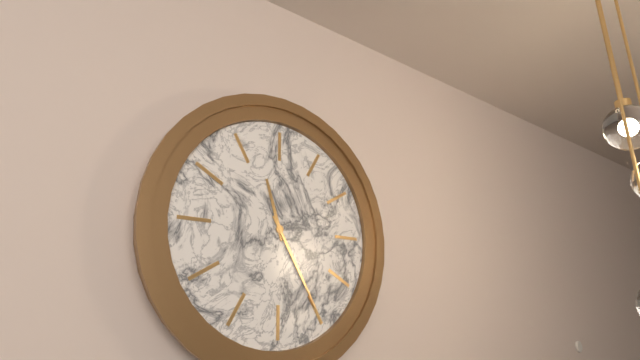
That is h=11 m=25
